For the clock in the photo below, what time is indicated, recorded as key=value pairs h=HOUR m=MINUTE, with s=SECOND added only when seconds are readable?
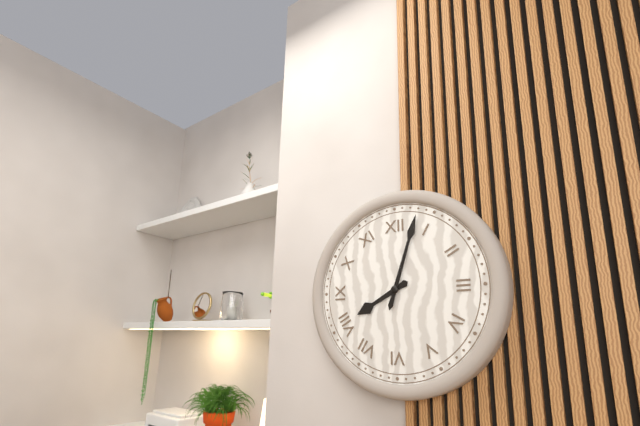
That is h=8 m=3
